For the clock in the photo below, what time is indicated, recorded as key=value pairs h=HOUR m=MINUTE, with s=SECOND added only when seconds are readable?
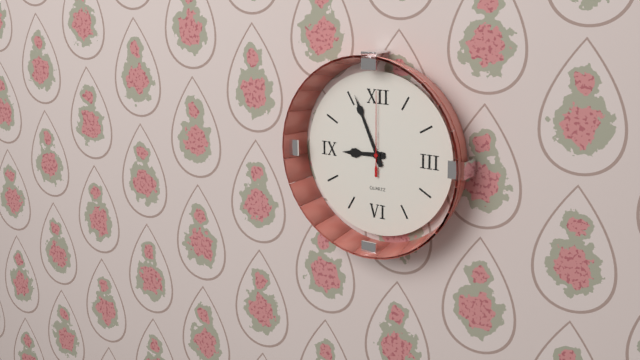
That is h=8 m=56 s=0
